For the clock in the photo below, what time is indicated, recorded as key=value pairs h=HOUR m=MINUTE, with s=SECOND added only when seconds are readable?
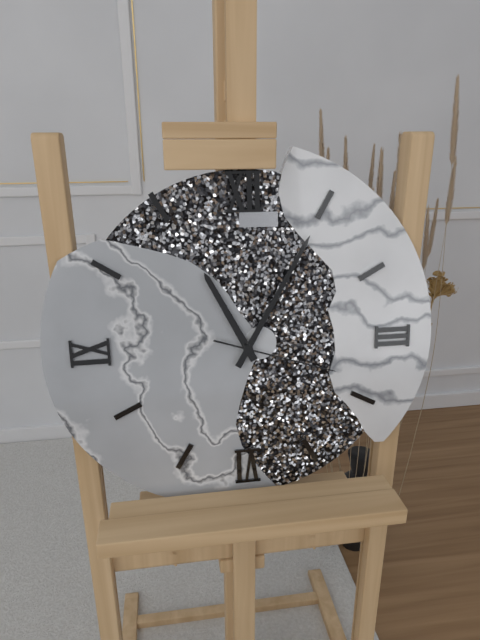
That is h=11 m=5 s=18
